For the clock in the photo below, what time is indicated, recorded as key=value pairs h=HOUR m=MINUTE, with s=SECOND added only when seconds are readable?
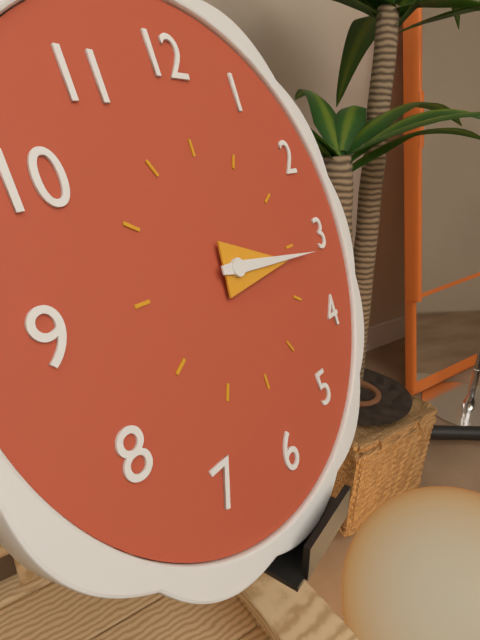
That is h=3 m=16
